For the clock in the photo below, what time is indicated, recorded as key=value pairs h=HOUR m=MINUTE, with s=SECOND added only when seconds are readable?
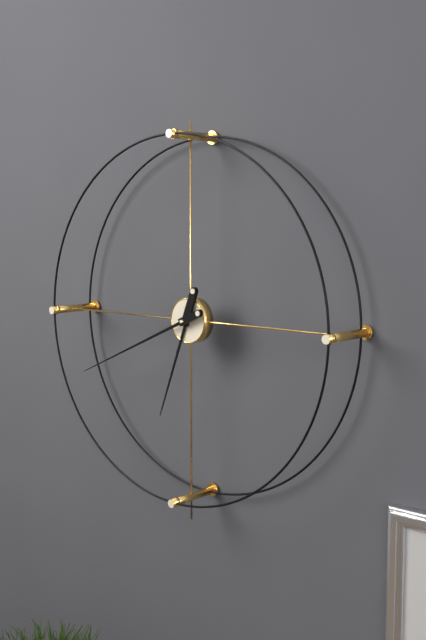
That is h=6 m=41
